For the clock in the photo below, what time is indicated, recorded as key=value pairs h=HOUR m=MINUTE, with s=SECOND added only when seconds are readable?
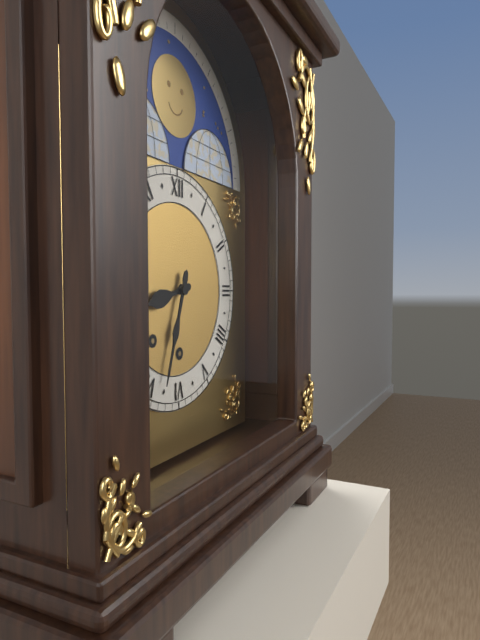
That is h=8 m=33
